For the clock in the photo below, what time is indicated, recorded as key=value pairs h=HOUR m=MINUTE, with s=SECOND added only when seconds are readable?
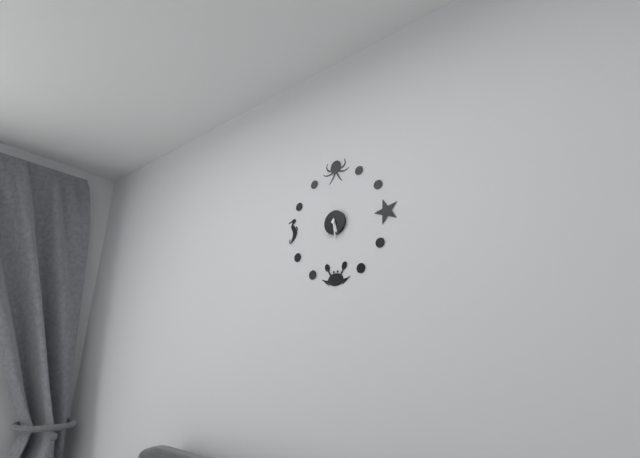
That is h=5 m=29
